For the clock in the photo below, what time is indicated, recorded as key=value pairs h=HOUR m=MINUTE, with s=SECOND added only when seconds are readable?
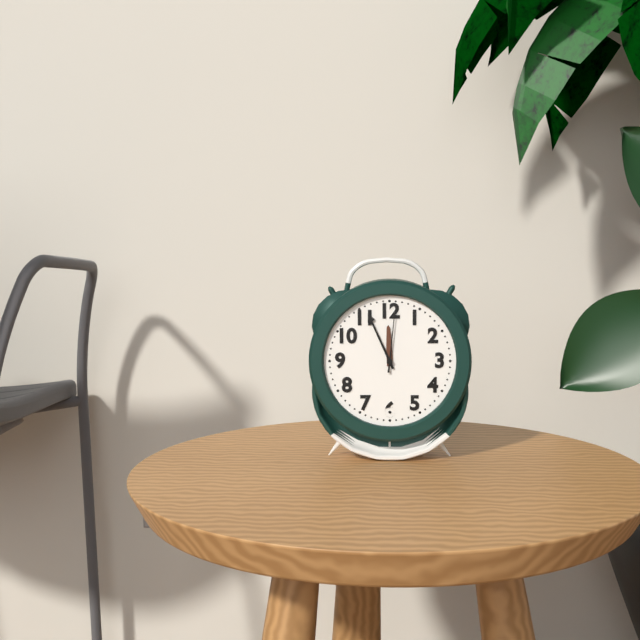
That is h=11 m=56 s=1
